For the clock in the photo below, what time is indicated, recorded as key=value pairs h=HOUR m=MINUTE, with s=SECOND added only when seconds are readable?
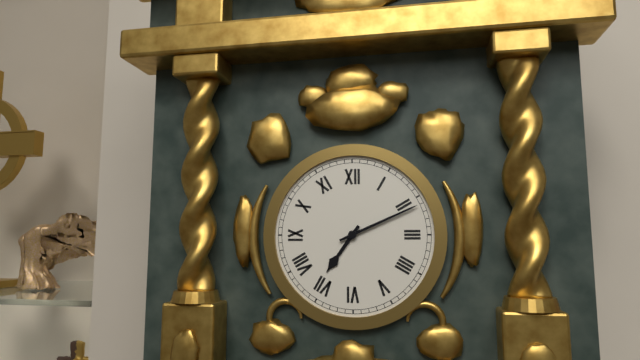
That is h=7 m=11
